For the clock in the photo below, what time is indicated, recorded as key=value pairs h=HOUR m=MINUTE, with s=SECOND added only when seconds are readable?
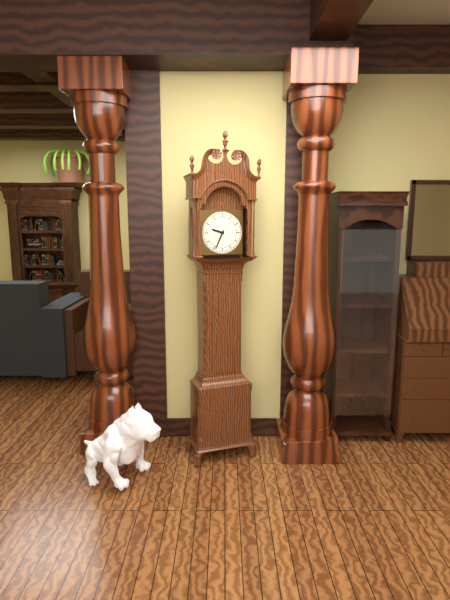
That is h=9 m=34
